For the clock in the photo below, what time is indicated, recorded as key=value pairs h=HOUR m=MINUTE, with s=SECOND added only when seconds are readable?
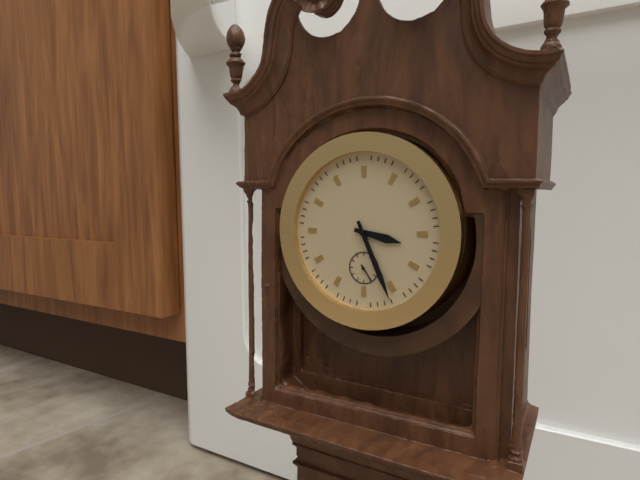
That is h=3 m=26
